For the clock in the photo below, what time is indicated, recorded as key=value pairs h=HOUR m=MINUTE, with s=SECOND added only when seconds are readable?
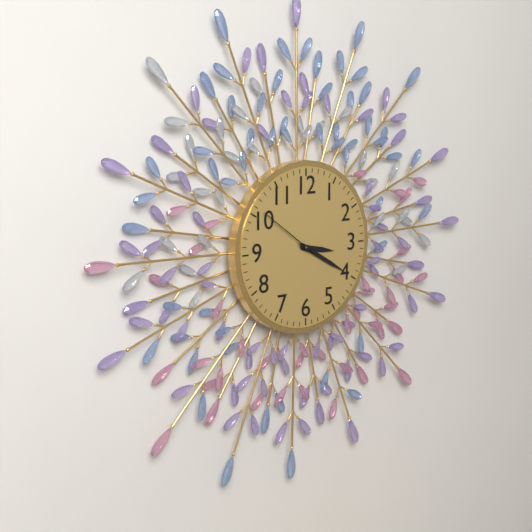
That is h=3 m=20 s=51
